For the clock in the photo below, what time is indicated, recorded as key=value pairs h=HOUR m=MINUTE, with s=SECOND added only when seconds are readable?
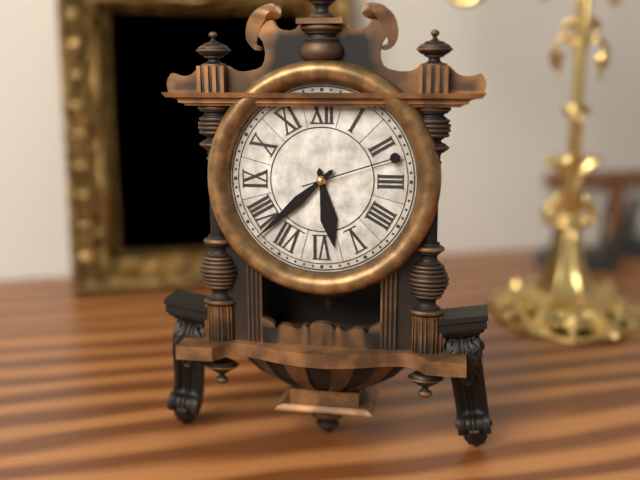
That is h=5 m=38 s=12
